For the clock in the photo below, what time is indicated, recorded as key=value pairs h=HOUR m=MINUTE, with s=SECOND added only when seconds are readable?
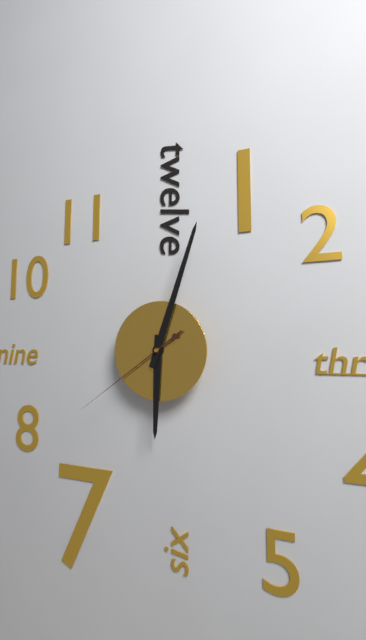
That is h=6 m=3 s=39
